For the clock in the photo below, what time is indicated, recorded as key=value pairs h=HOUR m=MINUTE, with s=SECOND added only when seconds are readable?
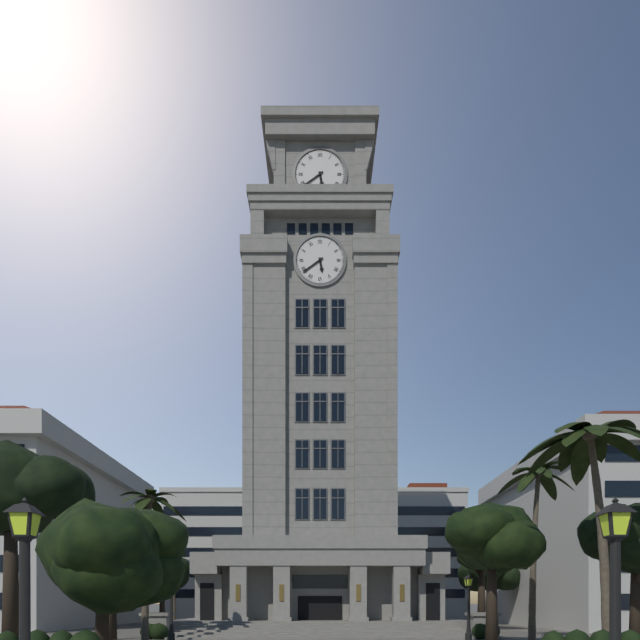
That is h=5 m=39
